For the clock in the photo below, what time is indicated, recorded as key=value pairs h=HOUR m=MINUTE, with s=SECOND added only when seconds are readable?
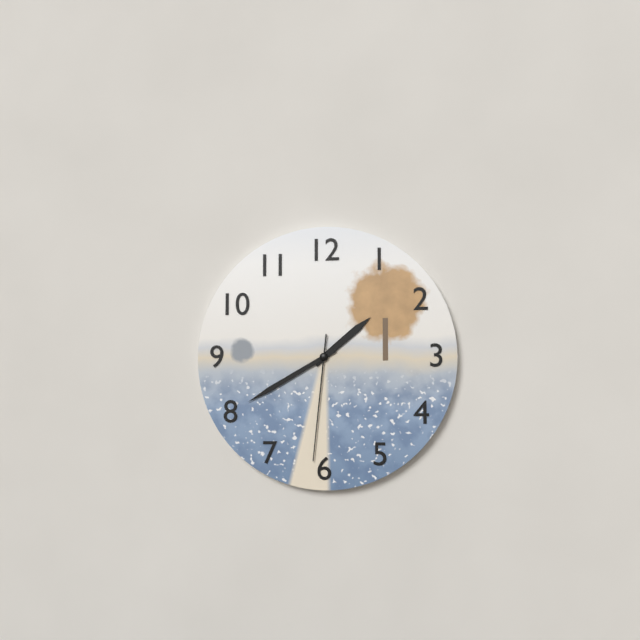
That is h=1 m=40 s=31
